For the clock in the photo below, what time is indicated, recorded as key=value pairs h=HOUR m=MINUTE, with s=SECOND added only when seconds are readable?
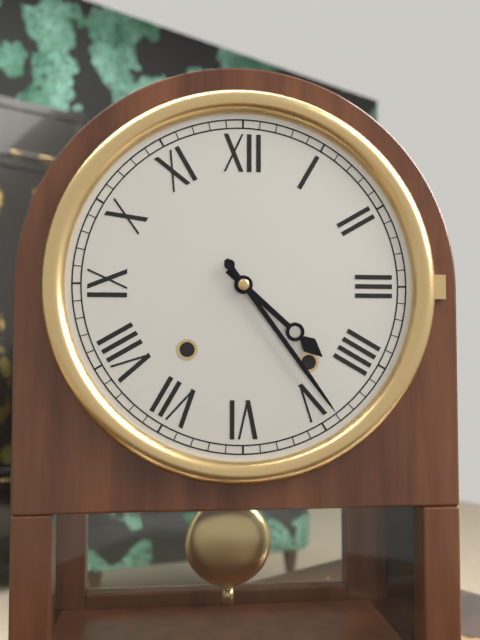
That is h=4 m=24
